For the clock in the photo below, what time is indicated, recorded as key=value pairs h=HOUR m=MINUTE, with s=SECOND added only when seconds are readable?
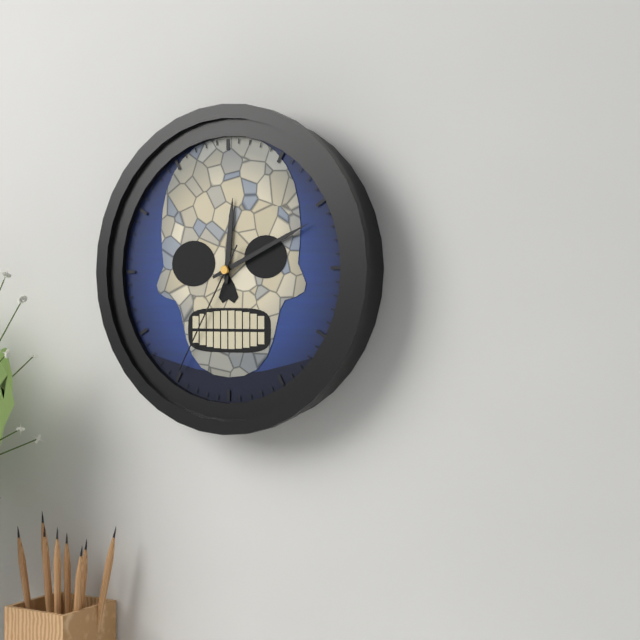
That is h=12 m=11 s=35
